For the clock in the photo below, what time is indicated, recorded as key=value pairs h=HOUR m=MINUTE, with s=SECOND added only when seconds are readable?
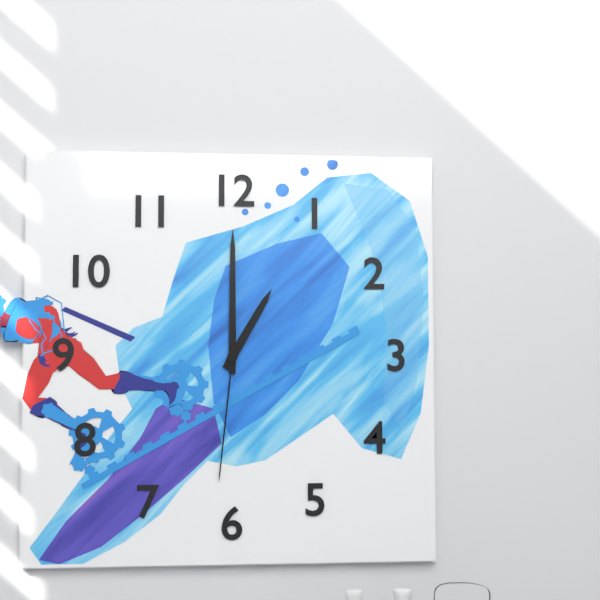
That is h=1 m=0 s=31
